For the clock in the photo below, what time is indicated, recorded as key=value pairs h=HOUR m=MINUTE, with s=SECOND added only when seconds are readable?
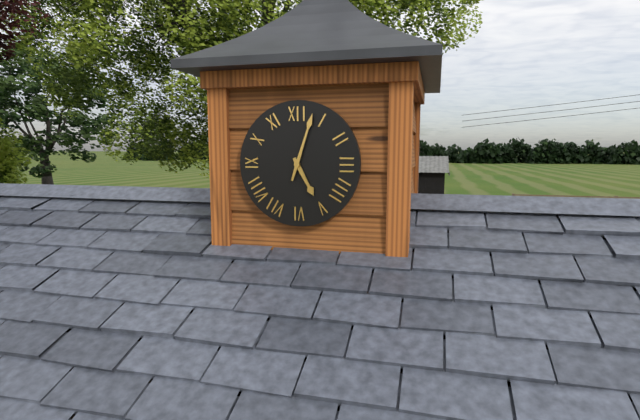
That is h=5 m=3
